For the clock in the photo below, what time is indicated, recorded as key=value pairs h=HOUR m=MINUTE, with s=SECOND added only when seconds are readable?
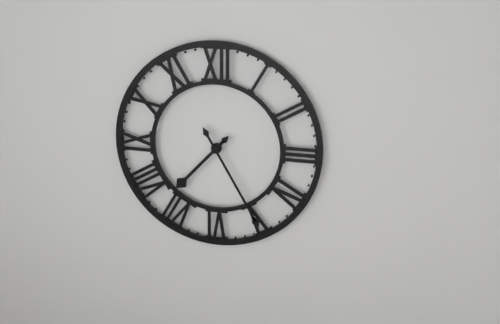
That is h=7 m=25
